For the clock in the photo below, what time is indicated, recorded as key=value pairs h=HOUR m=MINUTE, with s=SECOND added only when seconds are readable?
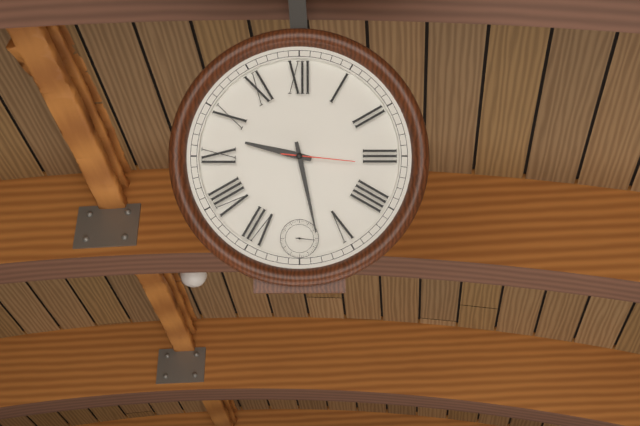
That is h=9 m=28 s=16
